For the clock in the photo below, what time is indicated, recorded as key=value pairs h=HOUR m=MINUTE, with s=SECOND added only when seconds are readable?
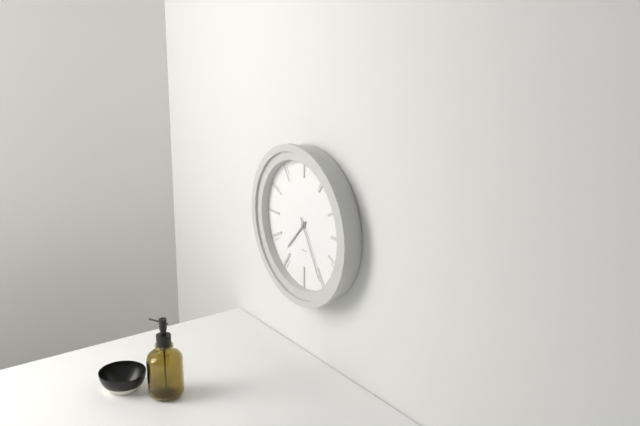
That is h=7 m=25
